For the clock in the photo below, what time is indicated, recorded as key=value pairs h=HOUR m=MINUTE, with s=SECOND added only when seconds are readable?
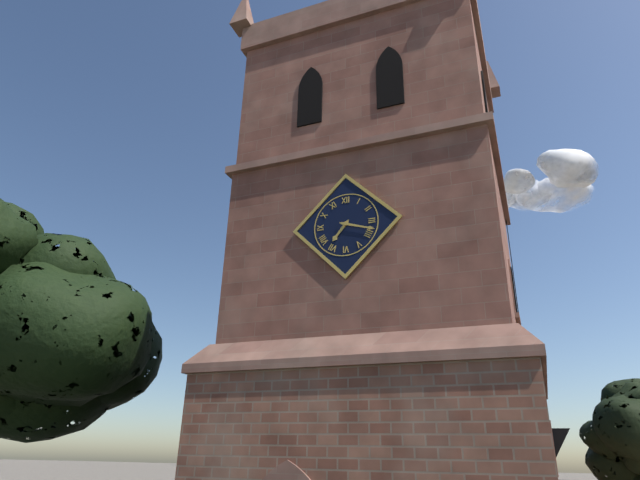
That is h=7 m=18
